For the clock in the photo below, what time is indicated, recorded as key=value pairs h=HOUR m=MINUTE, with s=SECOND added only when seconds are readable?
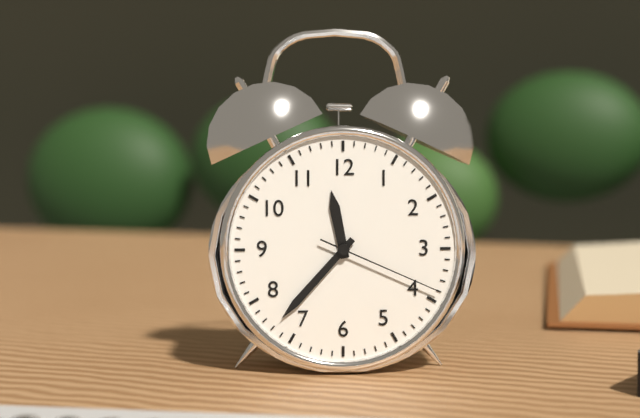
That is h=11 m=37 s=19
